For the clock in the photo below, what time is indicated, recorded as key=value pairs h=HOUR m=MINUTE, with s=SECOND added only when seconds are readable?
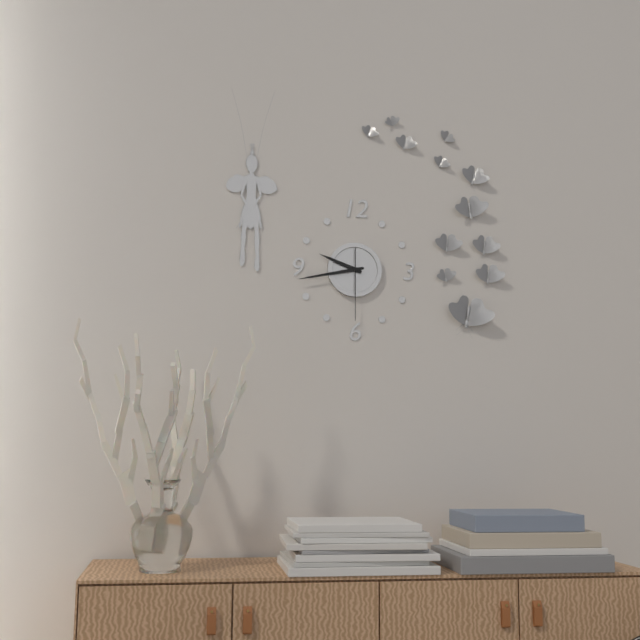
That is h=9 m=43 s=30
